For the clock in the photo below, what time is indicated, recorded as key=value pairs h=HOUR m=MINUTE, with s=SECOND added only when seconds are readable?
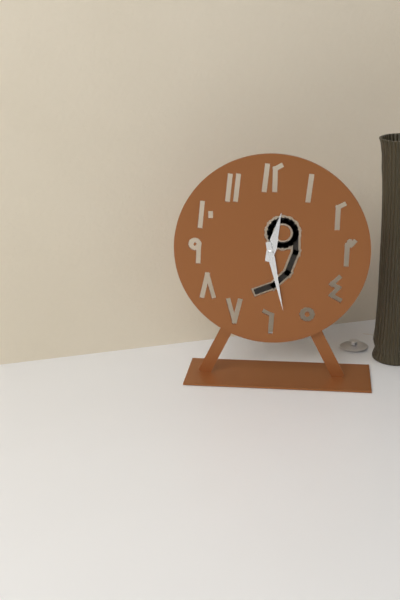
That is h=12 m=28
